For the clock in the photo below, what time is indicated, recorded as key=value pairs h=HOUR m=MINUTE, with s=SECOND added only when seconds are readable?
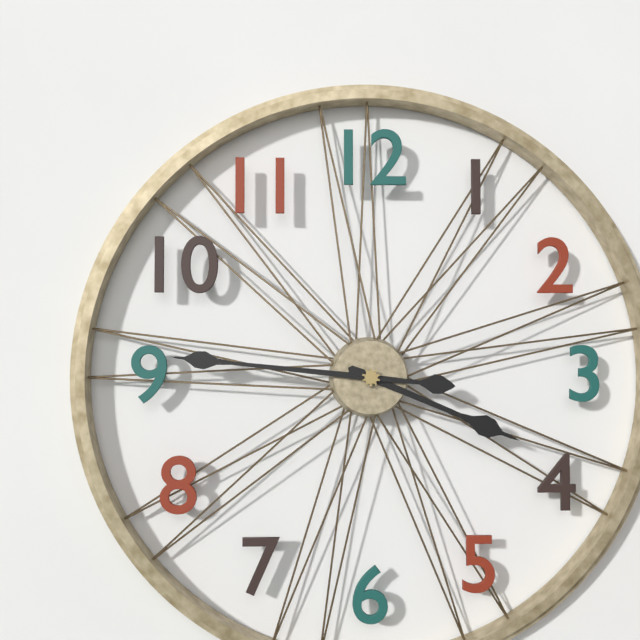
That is h=3 m=46
